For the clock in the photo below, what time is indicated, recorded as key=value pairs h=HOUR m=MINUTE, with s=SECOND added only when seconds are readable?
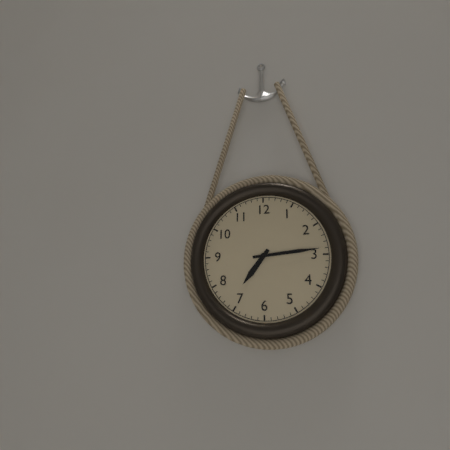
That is h=7 m=14
